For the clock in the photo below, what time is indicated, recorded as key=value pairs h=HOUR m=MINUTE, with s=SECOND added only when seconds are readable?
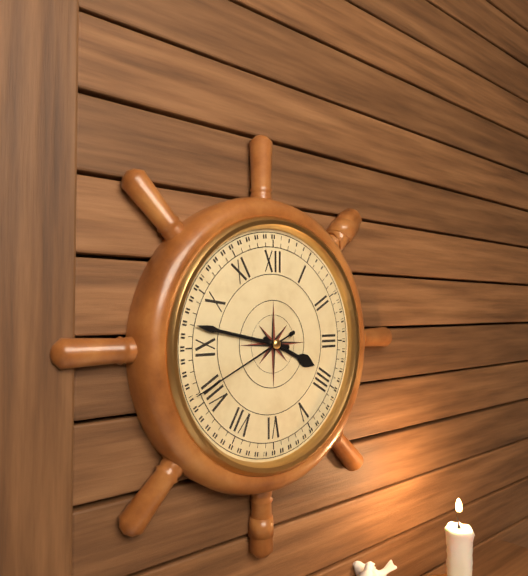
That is h=3 m=47 s=41
